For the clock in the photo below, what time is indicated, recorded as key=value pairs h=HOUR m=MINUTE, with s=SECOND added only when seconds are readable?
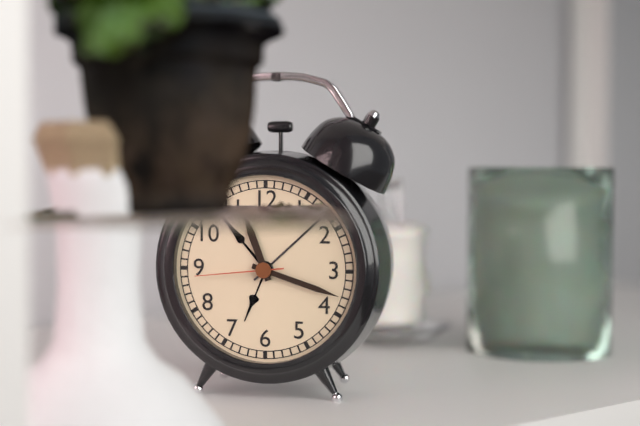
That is h=11 m=18 s=44
